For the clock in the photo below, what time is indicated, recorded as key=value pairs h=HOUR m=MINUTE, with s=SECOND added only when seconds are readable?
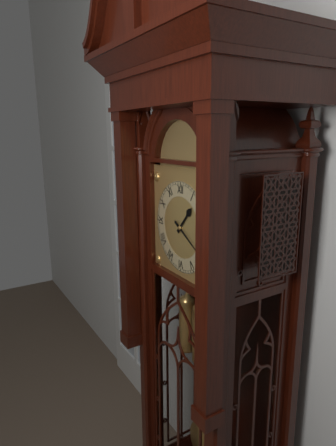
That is h=1 m=20
